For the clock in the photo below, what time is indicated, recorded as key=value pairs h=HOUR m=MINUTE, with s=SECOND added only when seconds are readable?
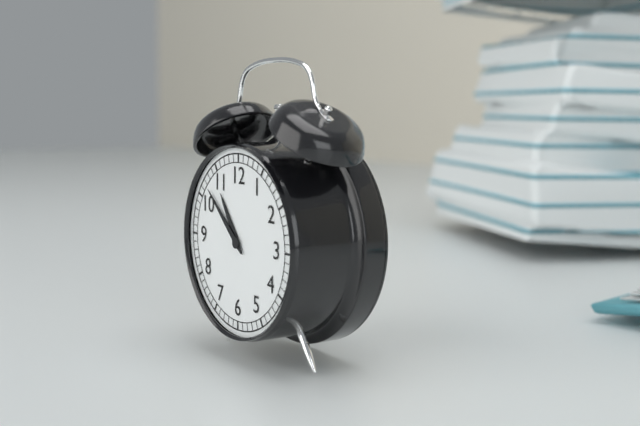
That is h=10 m=52
